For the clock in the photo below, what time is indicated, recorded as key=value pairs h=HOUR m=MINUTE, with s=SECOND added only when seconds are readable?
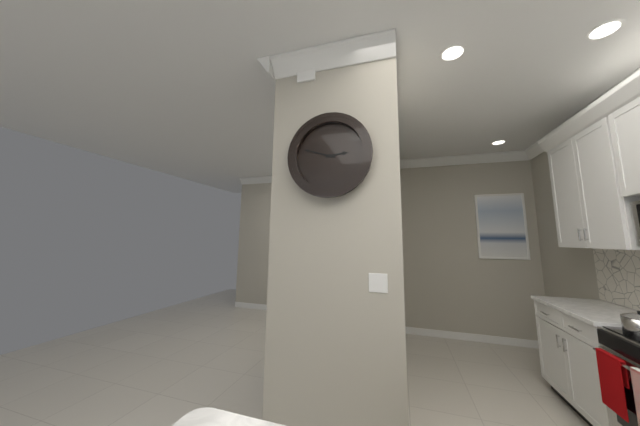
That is h=2 m=48
